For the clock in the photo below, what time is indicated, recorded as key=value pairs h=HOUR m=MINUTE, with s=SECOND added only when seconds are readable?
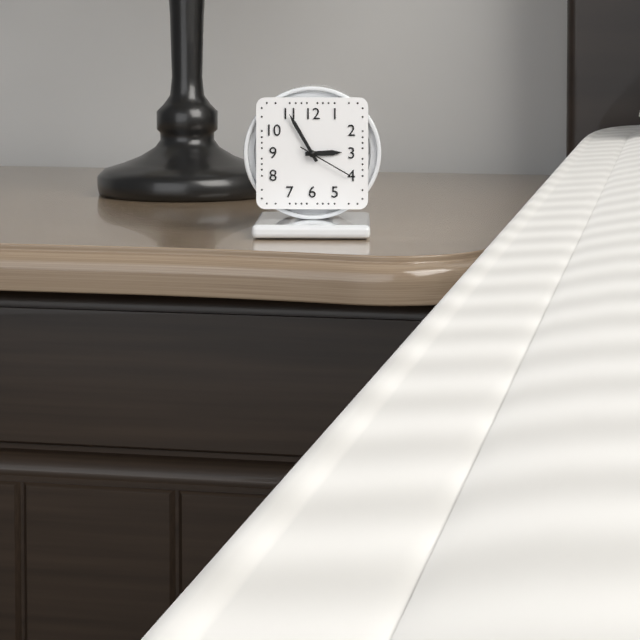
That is h=2 m=55 s=20
